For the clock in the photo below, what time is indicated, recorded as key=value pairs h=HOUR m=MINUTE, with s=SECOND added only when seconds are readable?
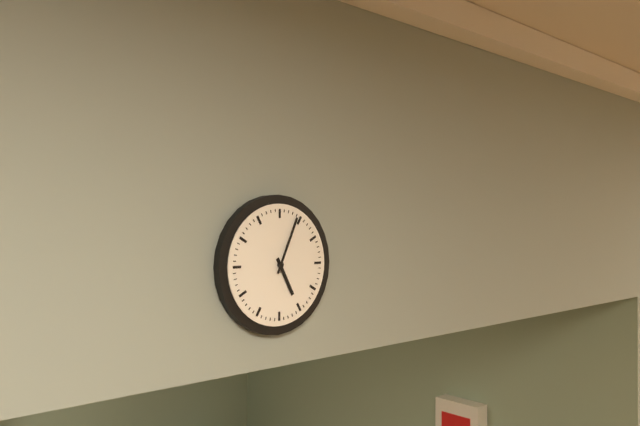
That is h=5 m=4
